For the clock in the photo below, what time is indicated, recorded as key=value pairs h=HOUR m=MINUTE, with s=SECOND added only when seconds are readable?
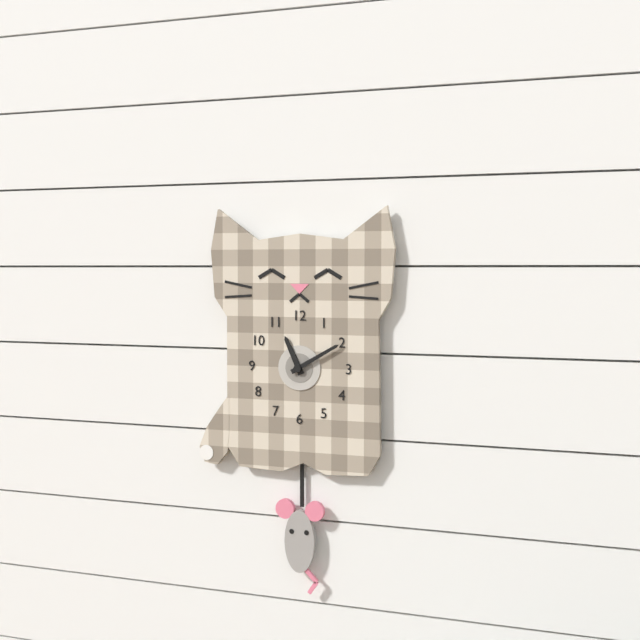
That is h=11 m=10
